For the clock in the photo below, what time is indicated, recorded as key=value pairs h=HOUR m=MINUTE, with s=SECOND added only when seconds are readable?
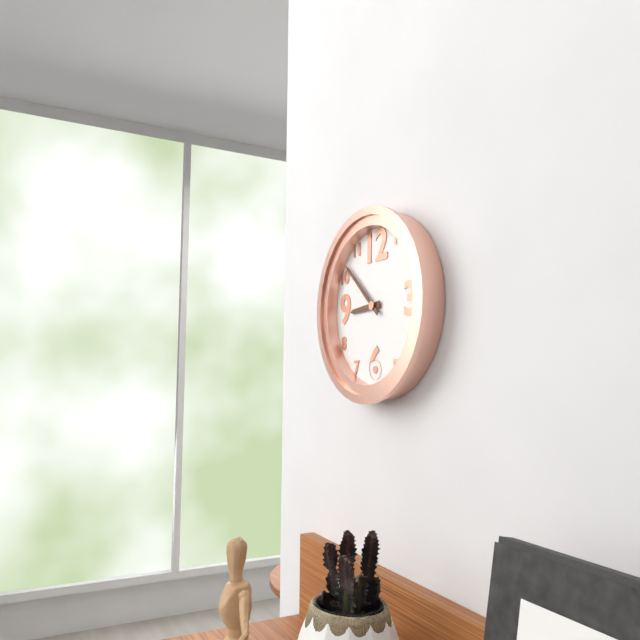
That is h=8 m=52
